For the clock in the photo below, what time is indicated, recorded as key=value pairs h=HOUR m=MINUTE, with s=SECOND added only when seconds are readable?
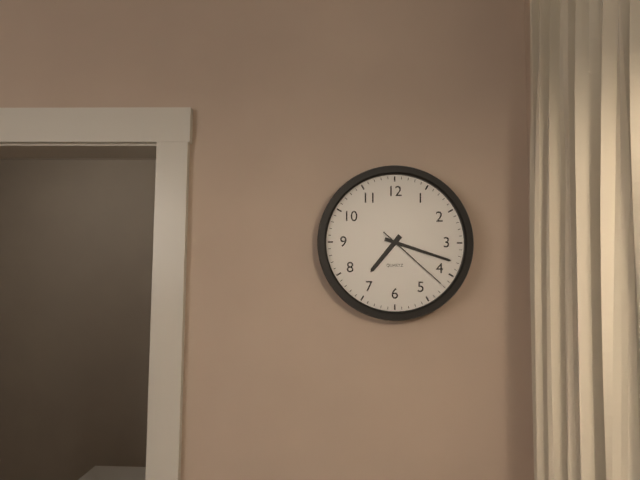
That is h=7 m=18 s=22
